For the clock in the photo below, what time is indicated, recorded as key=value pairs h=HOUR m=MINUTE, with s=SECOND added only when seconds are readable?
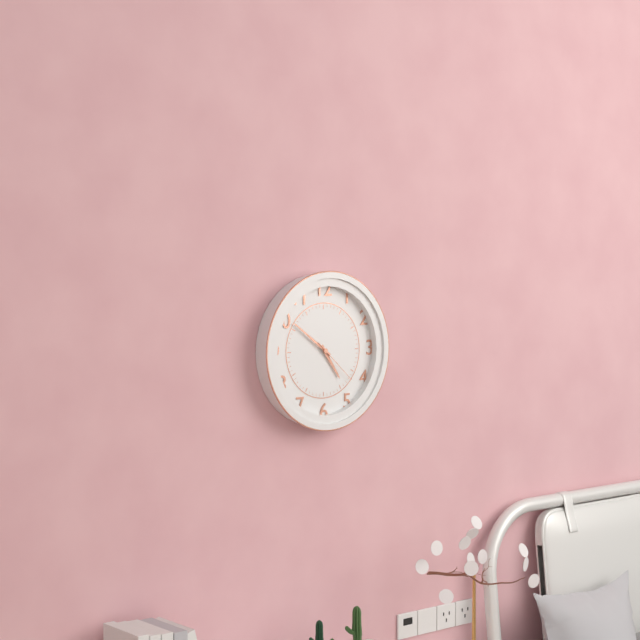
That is h=4 m=51
